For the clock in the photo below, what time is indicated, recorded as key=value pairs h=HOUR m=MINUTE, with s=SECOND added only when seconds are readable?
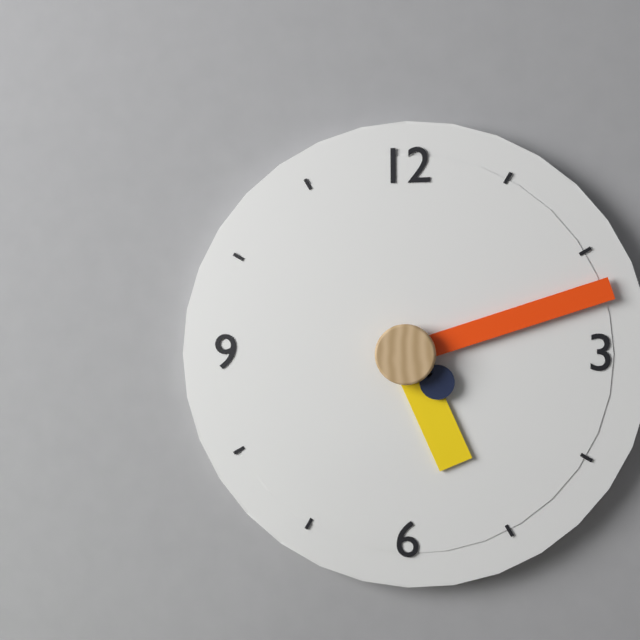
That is h=5 m=12 s=22
